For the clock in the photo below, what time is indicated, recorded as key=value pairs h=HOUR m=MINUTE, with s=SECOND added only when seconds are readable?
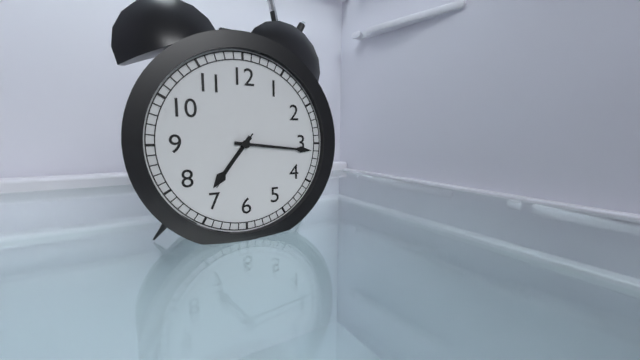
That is h=7 m=16 s=36
